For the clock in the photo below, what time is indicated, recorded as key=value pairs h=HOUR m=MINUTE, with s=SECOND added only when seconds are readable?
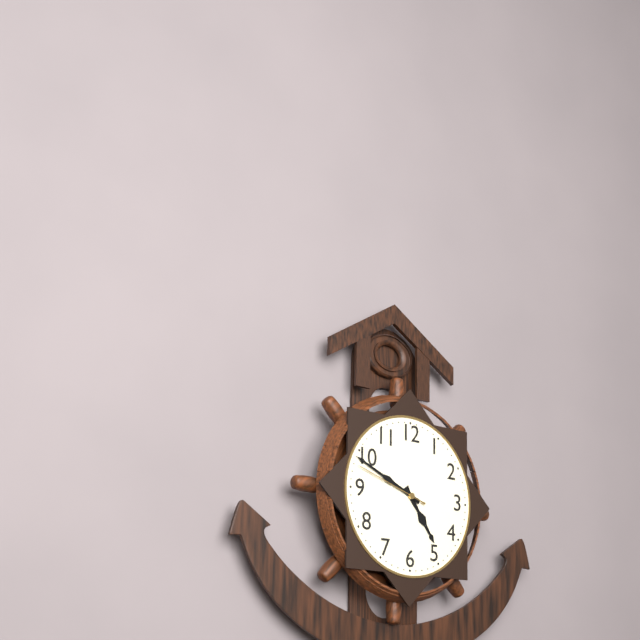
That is h=4 m=49 s=48
